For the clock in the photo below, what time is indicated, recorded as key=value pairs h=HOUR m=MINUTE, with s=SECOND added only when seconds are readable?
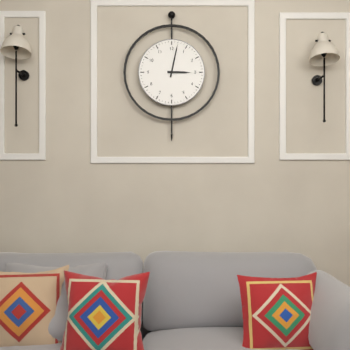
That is h=3 m=2
